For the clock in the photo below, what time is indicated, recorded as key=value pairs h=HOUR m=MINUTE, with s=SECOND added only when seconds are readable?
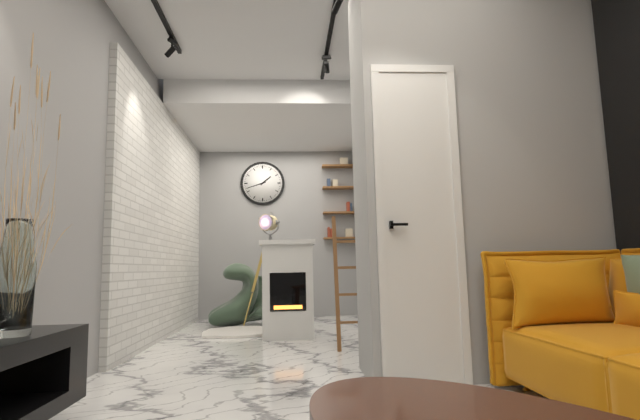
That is h=1 m=42
